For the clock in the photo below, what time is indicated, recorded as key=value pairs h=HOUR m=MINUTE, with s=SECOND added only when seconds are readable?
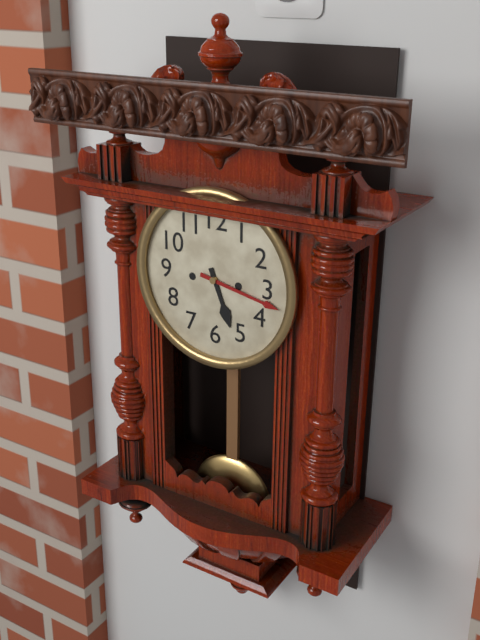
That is h=5 m=17
